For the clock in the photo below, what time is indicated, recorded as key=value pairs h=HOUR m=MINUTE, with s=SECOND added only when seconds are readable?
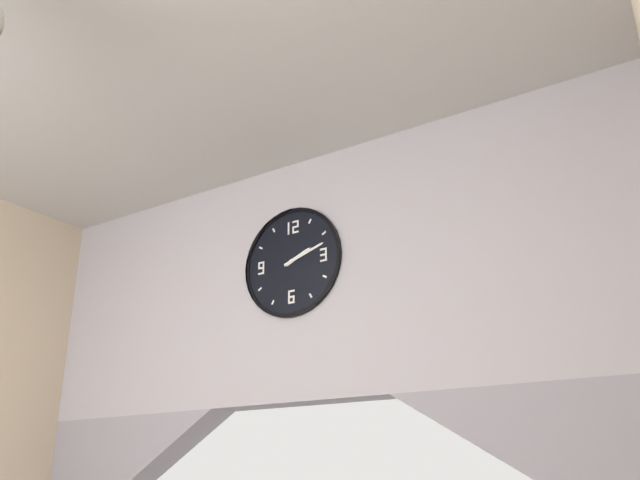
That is h=2 m=12
